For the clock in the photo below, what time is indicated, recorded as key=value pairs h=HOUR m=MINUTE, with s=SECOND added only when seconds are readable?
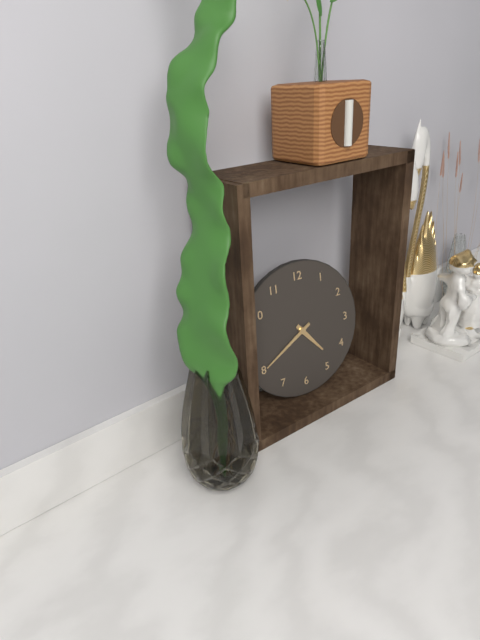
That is h=4 m=40
